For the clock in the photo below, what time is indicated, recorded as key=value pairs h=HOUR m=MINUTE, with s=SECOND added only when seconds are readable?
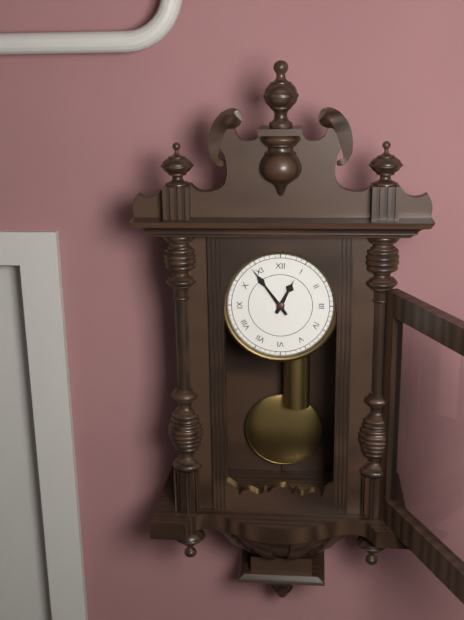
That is h=12 m=54
